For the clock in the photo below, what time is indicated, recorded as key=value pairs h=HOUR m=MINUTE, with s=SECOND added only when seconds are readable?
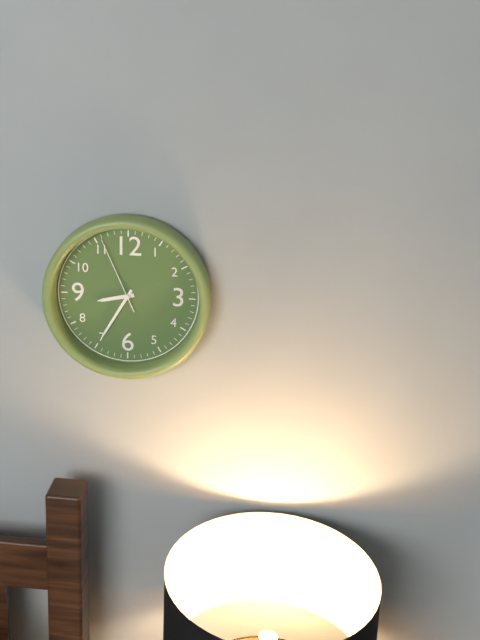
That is h=8 m=35 s=56
